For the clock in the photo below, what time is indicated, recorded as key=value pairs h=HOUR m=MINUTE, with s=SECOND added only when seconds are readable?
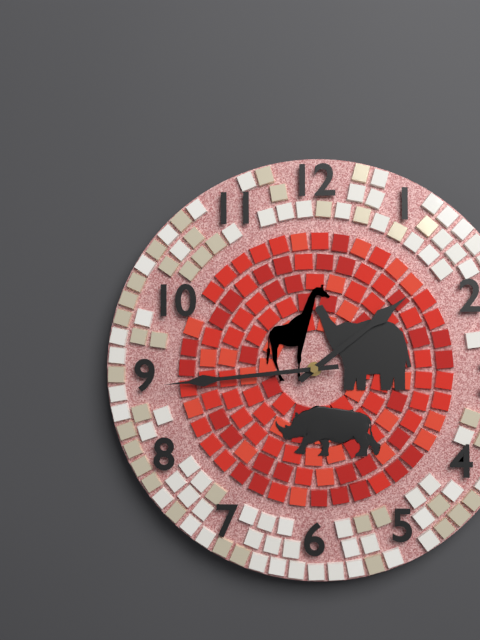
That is h=1 m=44
